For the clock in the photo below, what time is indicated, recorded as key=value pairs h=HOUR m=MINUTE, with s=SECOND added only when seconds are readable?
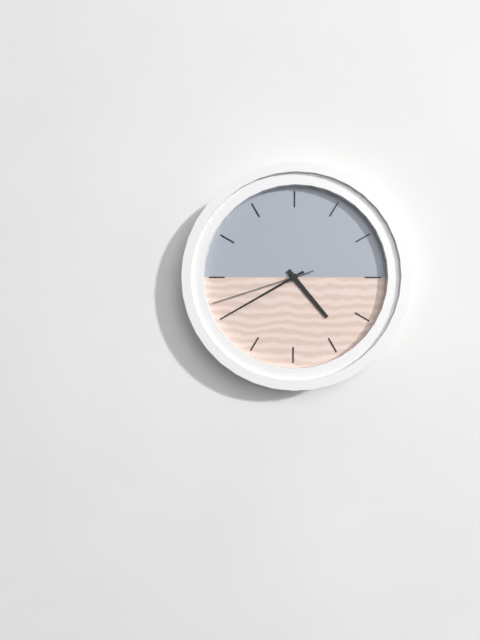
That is h=4 m=40 s=42
